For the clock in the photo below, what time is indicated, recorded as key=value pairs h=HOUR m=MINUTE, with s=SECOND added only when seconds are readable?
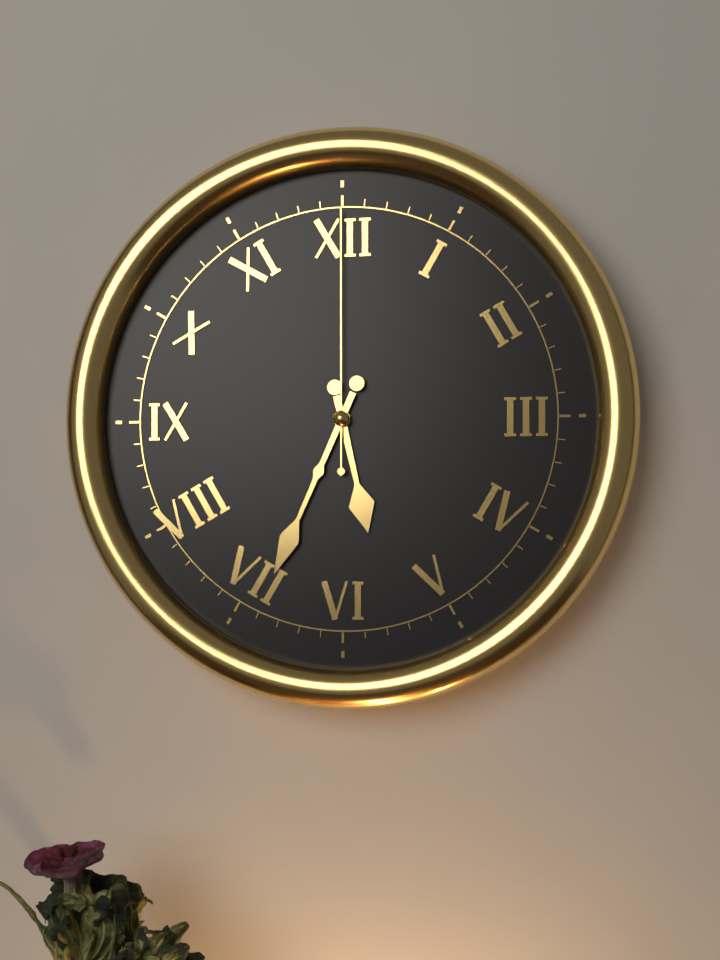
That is h=5 m=34 s=0
